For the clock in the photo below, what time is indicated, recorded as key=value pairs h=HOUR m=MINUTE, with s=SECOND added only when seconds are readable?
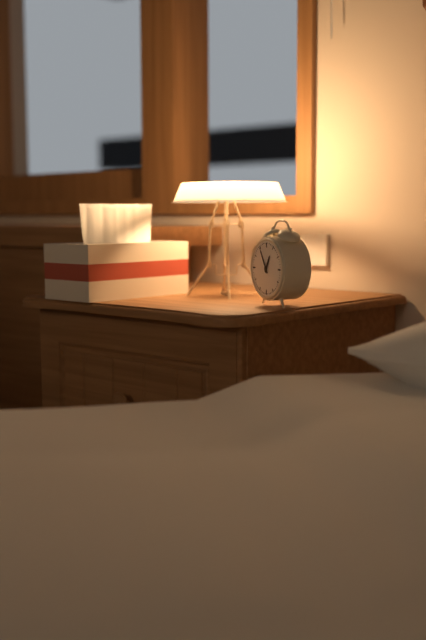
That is h=12 m=55
